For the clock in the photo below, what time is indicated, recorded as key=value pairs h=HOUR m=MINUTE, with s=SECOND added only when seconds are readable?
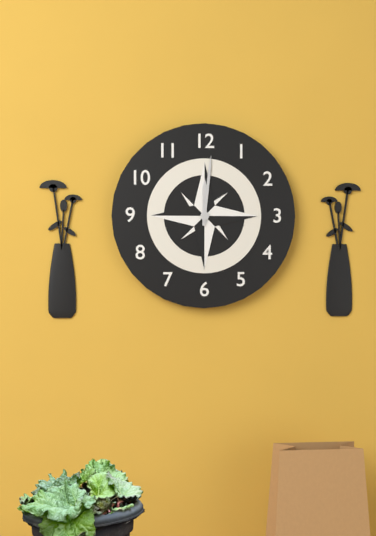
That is h=12 m=1
